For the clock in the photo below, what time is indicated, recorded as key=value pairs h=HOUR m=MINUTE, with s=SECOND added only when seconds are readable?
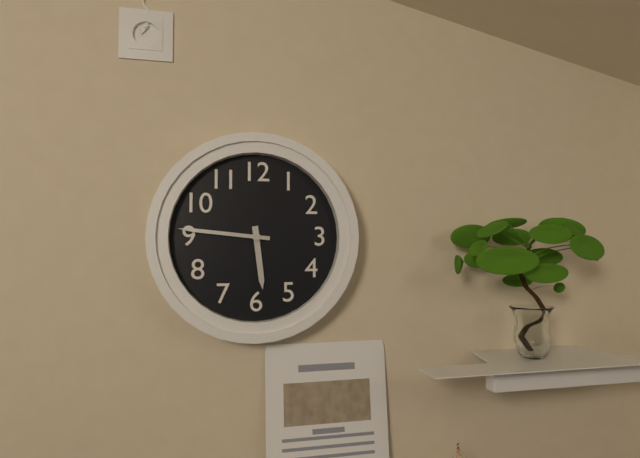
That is h=5 m=46
